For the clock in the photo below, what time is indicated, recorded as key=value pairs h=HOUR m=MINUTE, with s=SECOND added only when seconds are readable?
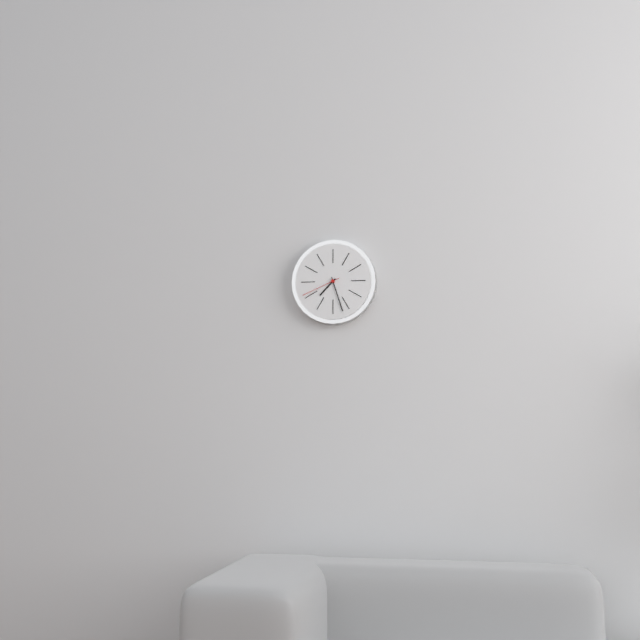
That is h=7 m=27
